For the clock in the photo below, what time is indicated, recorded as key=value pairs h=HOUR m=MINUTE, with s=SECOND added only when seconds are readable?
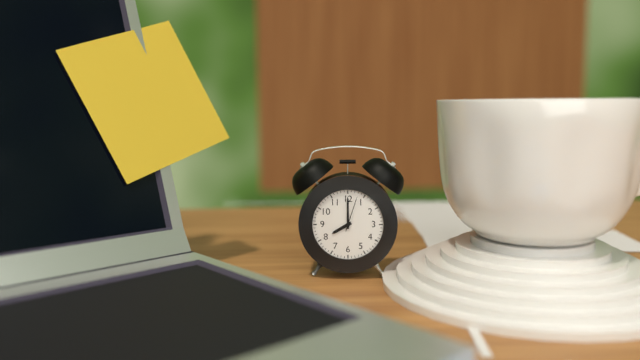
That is h=8 m=0
